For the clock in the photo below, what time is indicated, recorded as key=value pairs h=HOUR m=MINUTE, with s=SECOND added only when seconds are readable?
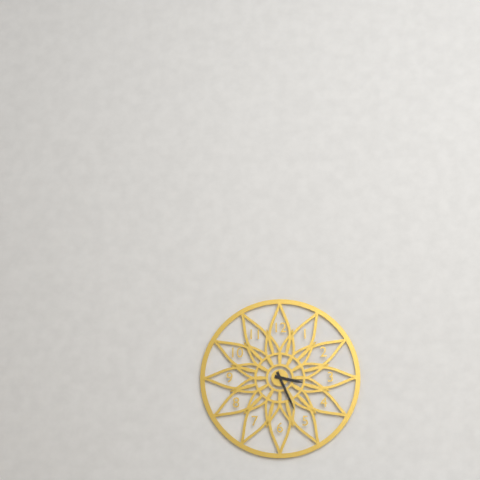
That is h=3 m=26
